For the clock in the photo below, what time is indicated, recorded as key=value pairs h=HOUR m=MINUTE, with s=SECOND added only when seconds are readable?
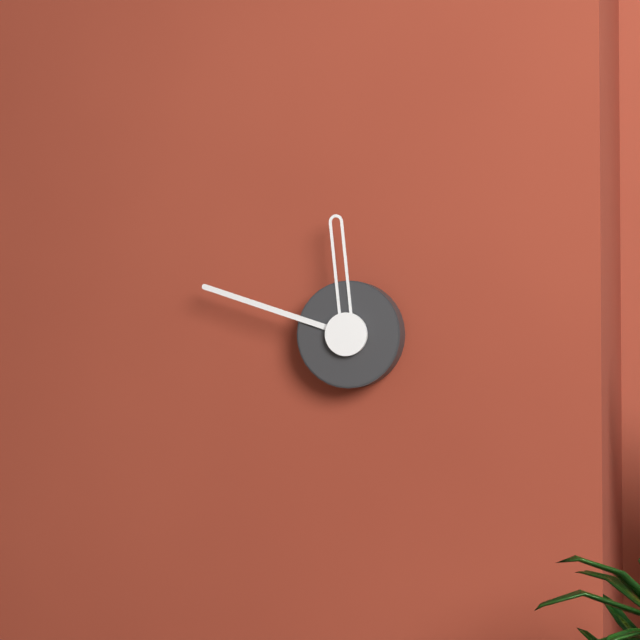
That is h=11 m=48
